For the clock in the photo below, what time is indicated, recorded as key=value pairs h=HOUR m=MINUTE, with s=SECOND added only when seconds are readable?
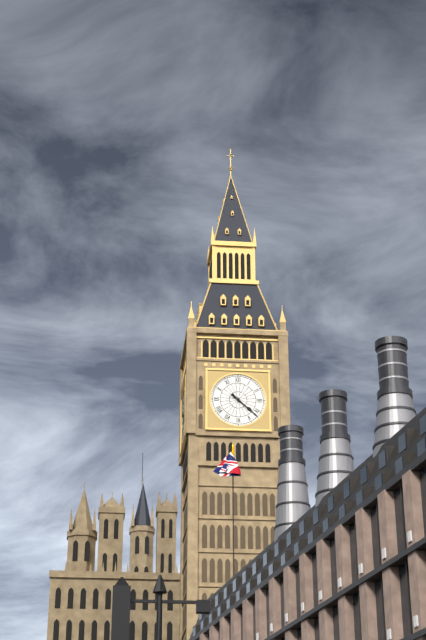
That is h=4 m=22
